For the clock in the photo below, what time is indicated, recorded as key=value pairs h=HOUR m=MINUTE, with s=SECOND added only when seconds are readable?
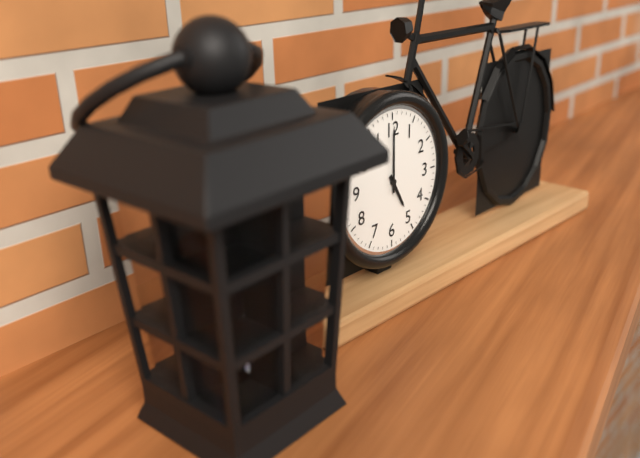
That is h=5 m=0
